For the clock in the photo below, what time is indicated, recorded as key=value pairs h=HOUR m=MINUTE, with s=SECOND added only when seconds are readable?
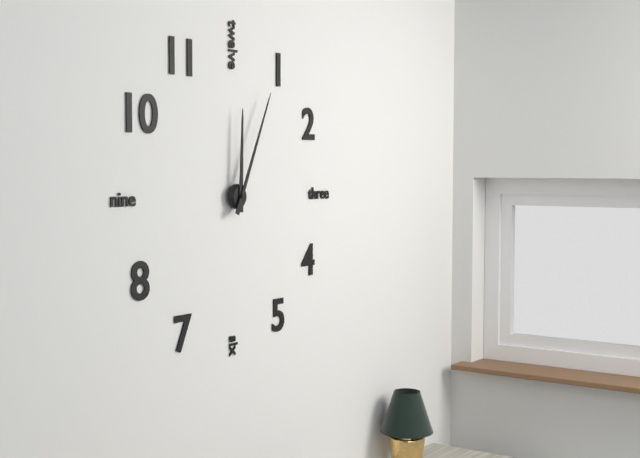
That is h=12 m=4
